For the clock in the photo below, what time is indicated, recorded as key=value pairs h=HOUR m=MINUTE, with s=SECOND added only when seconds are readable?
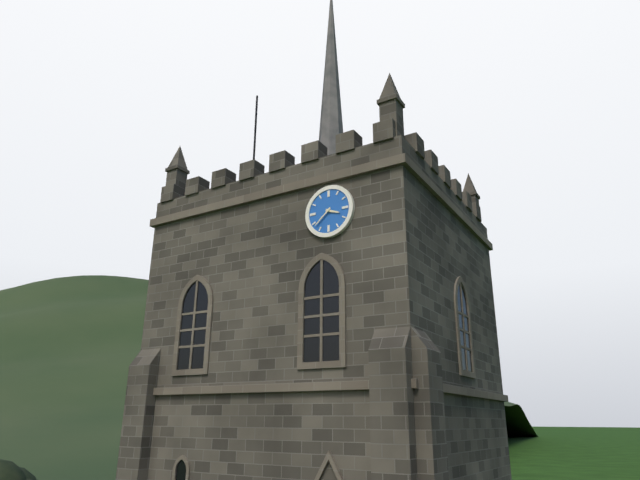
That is h=3 m=38
